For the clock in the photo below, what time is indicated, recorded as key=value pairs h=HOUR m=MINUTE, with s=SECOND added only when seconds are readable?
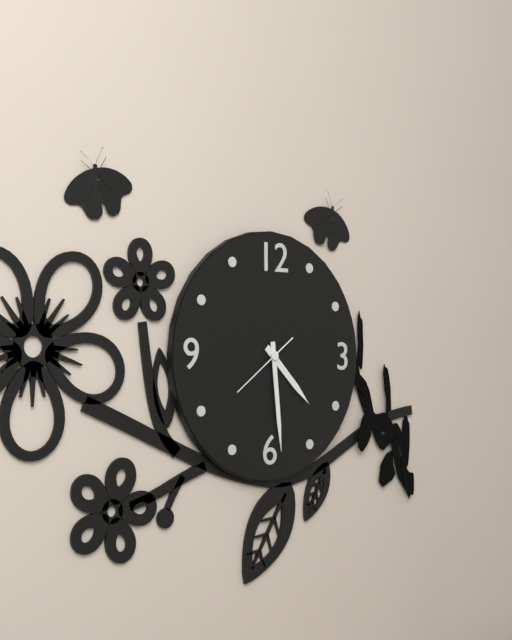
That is h=4 m=29 s=39
